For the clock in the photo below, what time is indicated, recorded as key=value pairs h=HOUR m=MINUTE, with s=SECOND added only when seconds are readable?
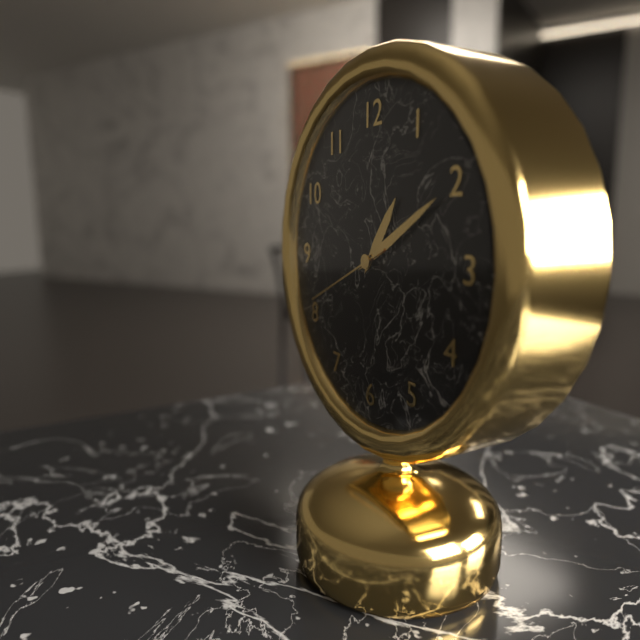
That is h=1 m=10 s=41
